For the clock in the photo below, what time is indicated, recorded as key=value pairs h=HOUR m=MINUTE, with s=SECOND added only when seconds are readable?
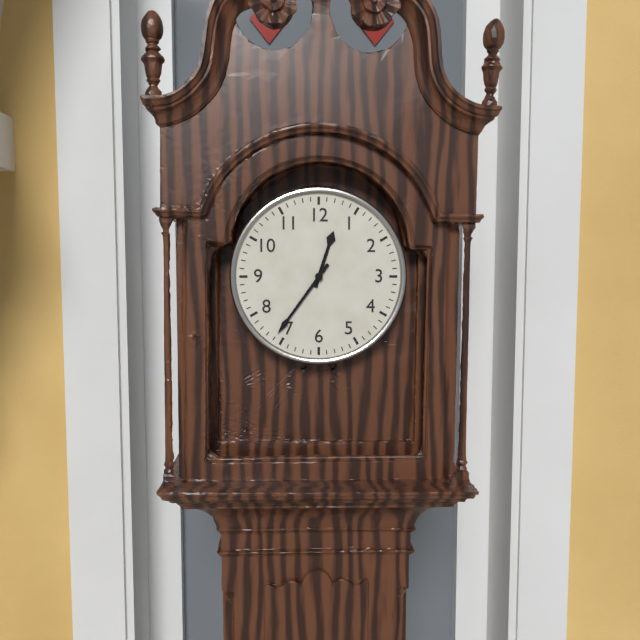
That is h=12 m=36
